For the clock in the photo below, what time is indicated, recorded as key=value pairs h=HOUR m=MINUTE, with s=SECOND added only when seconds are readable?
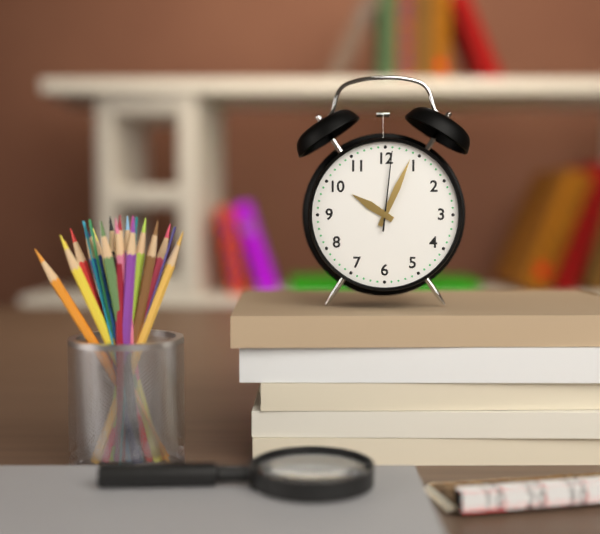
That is h=10 m=4 s=1
